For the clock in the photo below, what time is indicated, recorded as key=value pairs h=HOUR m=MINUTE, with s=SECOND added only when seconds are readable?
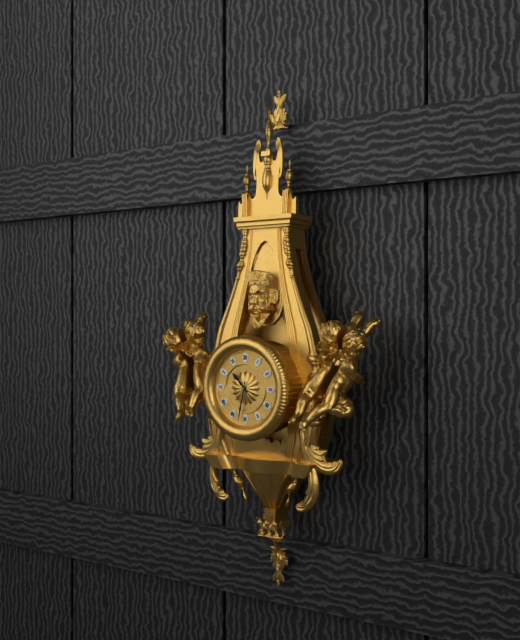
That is h=10 m=32
